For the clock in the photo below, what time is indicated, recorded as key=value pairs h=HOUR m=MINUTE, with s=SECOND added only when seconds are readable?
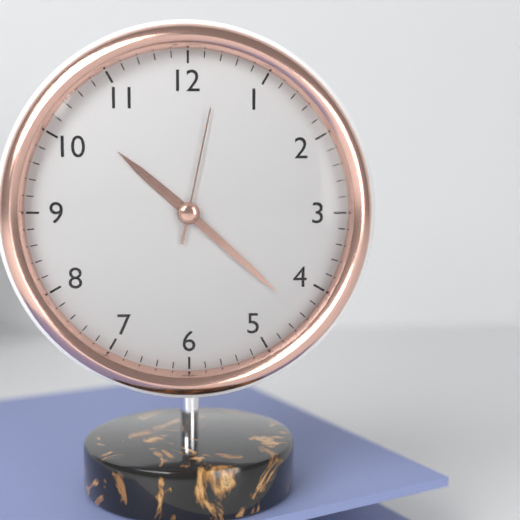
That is h=10 m=22 s=2
